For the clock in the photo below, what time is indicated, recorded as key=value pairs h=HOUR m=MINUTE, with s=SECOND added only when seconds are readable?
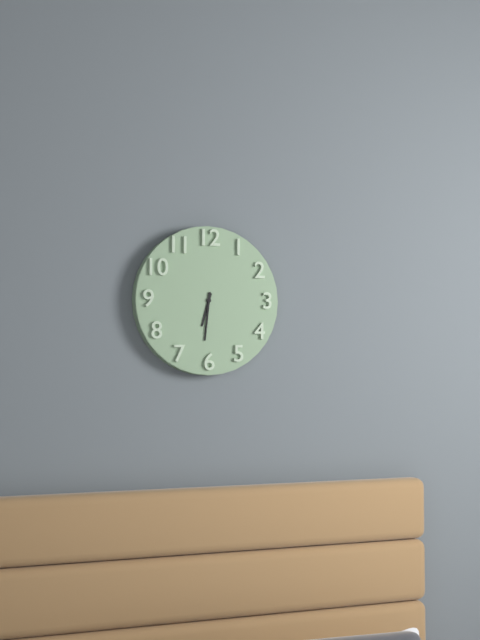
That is h=6 m=31
